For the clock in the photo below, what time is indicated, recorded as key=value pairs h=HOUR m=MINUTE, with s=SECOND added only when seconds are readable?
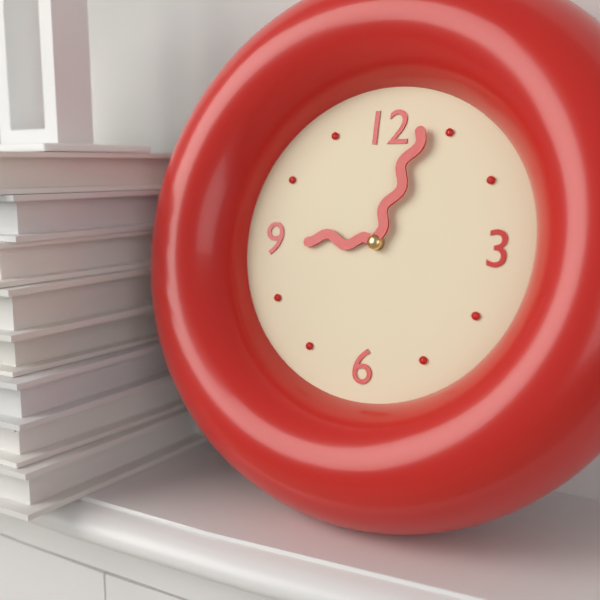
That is h=9 m=3
